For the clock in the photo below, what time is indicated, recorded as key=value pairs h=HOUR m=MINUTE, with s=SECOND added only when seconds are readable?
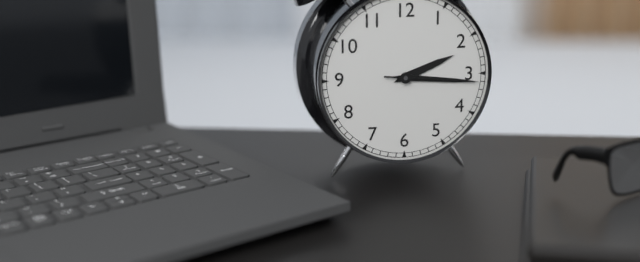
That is h=2 m=16 s=16
